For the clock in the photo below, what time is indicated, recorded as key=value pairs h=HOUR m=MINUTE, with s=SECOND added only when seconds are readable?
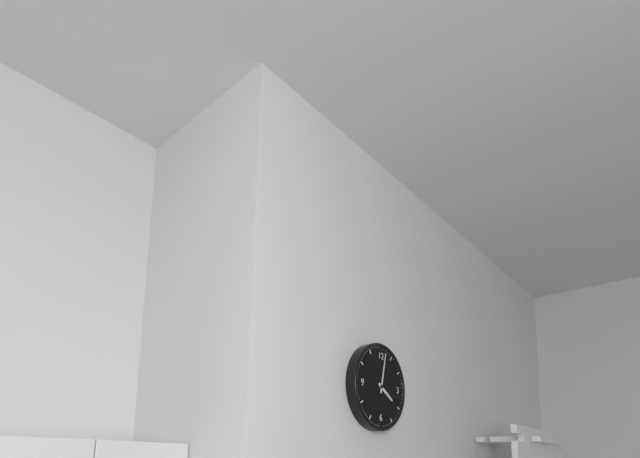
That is h=4 m=2
